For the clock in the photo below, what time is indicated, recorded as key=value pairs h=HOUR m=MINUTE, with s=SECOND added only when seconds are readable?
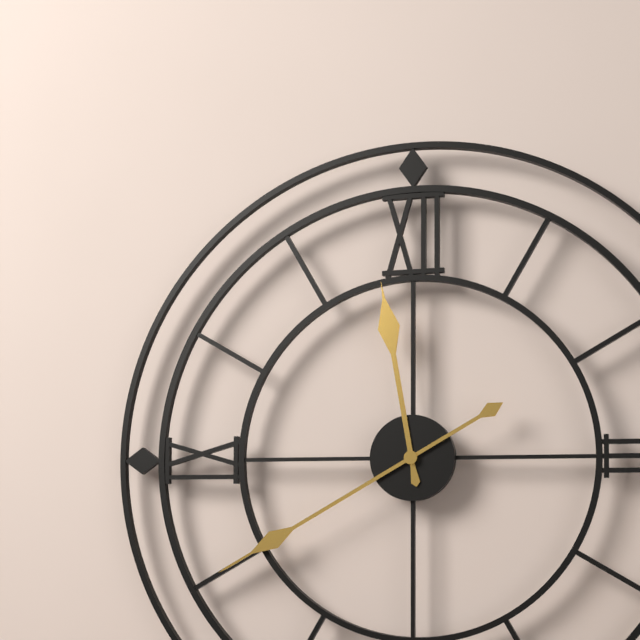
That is h=11 m=40
